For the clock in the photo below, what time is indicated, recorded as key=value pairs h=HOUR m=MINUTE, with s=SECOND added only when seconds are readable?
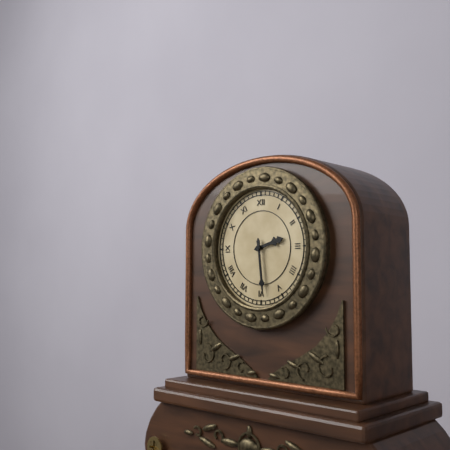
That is h=2 m=29
